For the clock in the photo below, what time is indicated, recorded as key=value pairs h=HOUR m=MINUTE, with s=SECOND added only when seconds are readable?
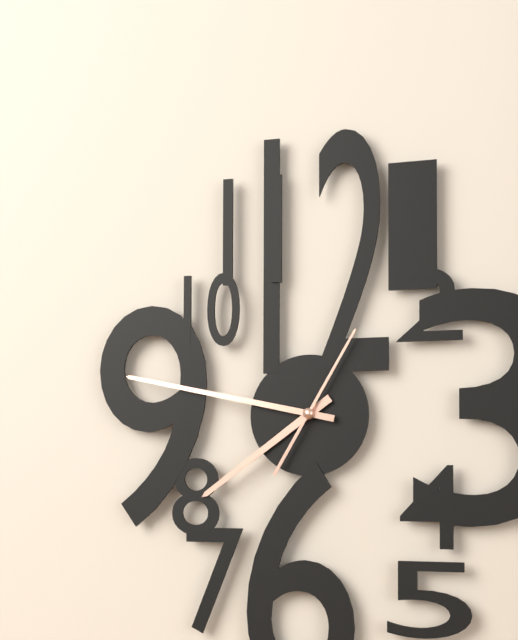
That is h=7 m=47 s=5
